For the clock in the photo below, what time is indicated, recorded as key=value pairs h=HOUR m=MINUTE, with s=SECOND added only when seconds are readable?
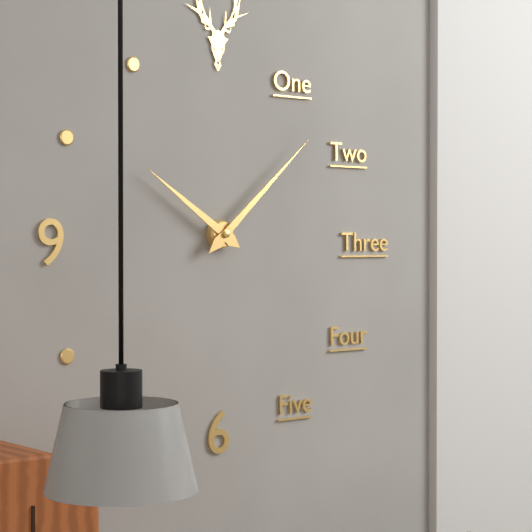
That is h=10 m=8
